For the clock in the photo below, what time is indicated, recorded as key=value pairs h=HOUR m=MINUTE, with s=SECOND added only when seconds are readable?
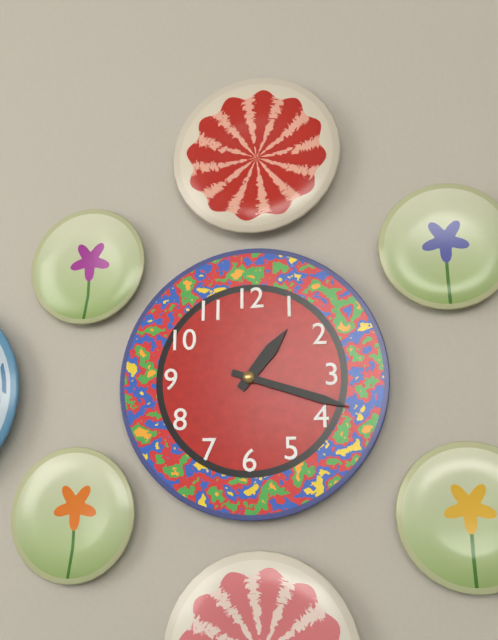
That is h=1 m=18
